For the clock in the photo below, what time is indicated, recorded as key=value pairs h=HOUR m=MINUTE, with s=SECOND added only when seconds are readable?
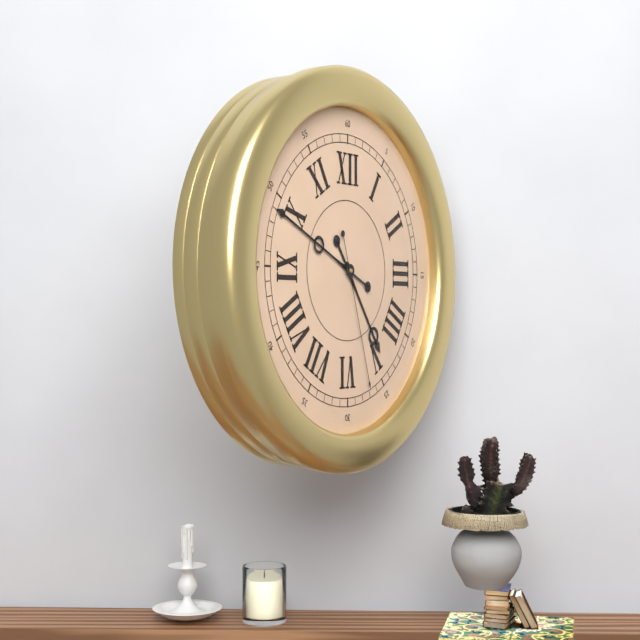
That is h=4 m=49 s=27
